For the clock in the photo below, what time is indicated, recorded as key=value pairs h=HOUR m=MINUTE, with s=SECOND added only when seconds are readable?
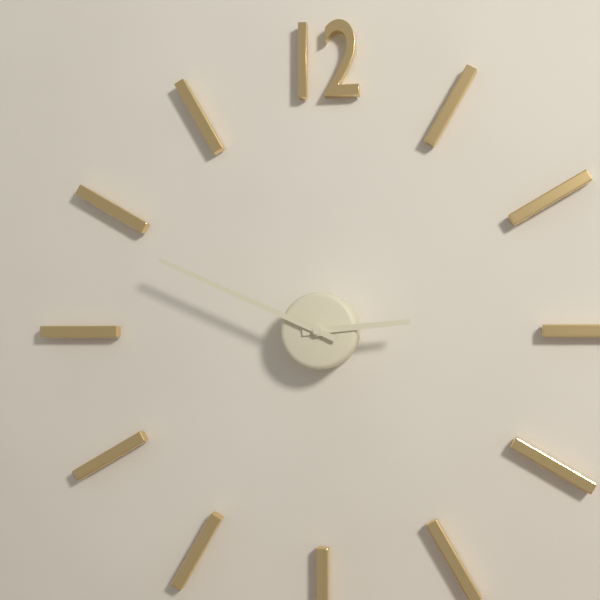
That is h=2 m=49
